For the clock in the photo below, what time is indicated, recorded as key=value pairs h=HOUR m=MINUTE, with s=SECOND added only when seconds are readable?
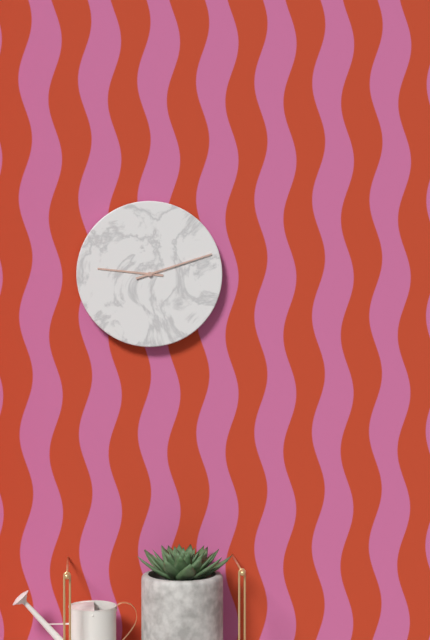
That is h=9 m=12
